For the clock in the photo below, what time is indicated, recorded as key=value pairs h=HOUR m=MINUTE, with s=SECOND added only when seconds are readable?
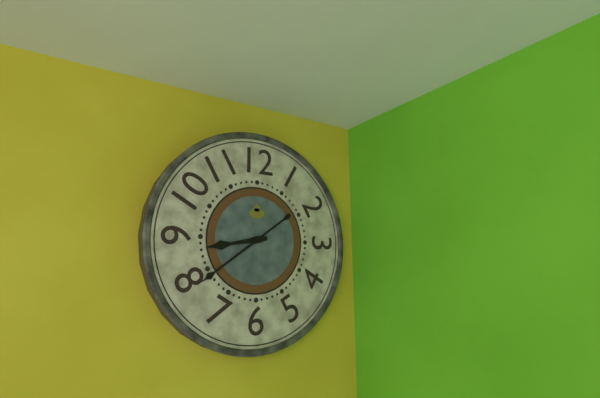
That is h=8 m=39
